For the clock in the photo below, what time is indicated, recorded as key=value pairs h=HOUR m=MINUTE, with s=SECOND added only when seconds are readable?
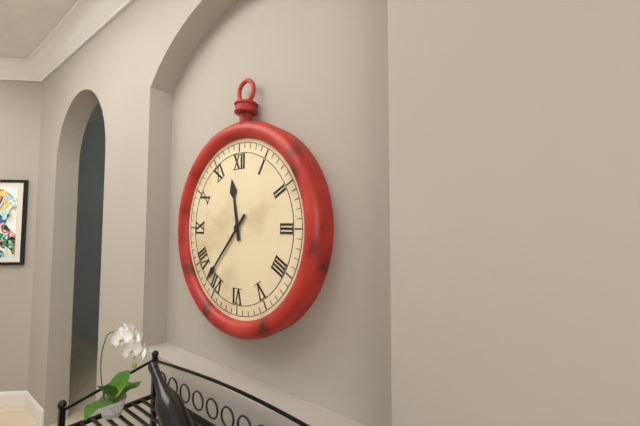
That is h=11 m=37
